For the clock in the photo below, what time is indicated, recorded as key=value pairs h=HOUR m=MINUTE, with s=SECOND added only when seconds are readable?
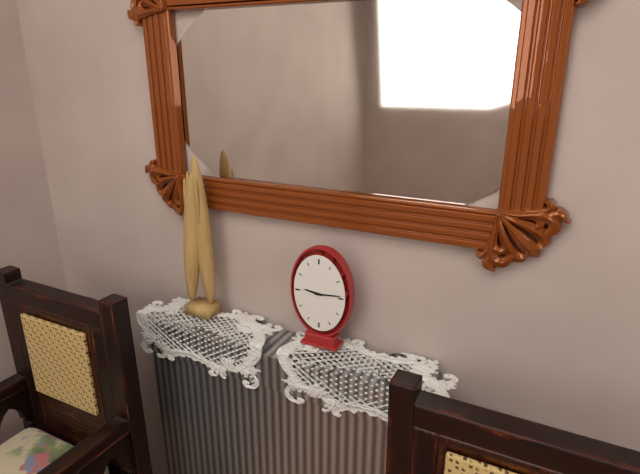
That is h=9 m=14
